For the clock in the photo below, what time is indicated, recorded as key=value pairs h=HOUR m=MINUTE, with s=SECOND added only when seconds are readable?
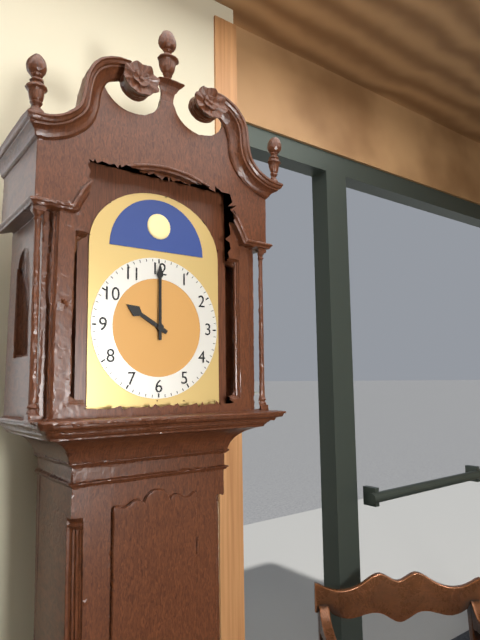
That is h=10 m=0
